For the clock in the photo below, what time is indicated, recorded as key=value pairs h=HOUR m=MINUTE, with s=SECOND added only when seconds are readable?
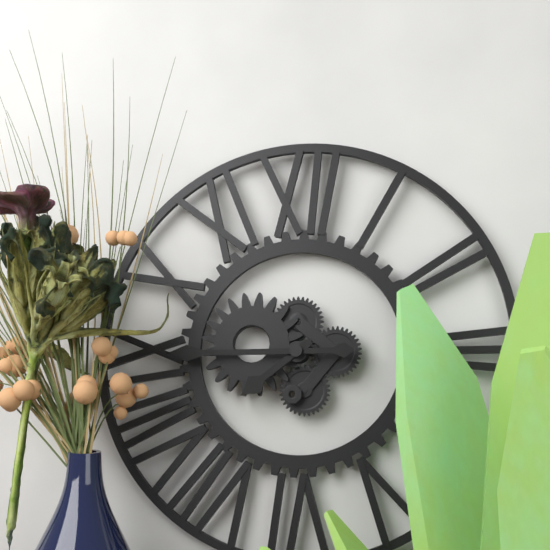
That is h=7 m=45
